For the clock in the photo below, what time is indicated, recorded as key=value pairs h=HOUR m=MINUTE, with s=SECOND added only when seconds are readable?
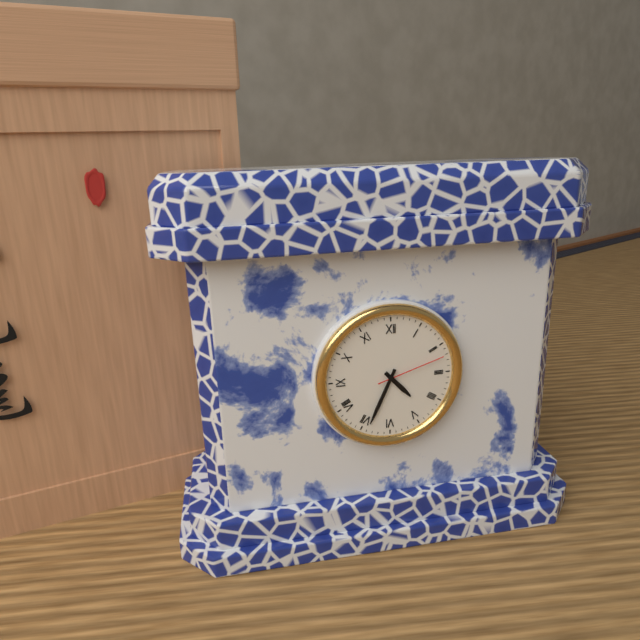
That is h=4 m=34 s=12
